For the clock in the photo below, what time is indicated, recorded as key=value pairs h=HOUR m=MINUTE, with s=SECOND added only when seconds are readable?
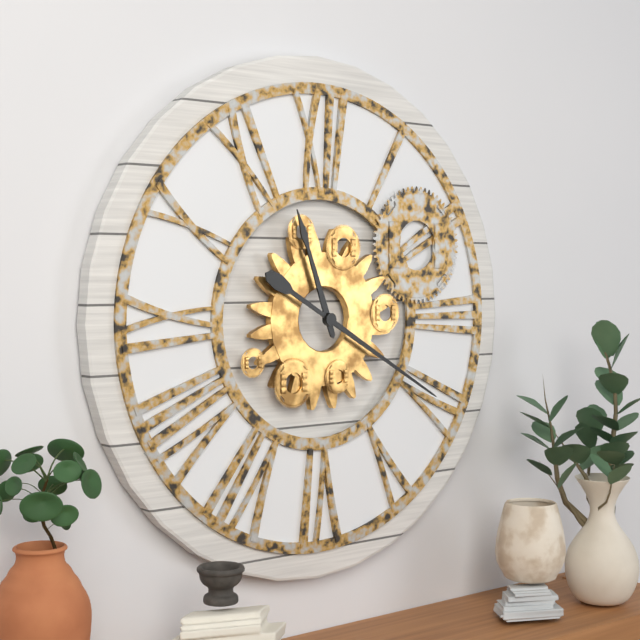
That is h=11 m=20
